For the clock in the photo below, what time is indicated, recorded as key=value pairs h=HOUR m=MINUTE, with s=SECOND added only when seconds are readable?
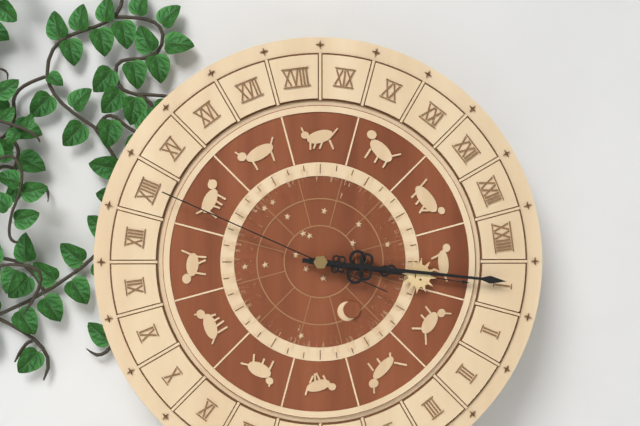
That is h=3 m=16 s=49
